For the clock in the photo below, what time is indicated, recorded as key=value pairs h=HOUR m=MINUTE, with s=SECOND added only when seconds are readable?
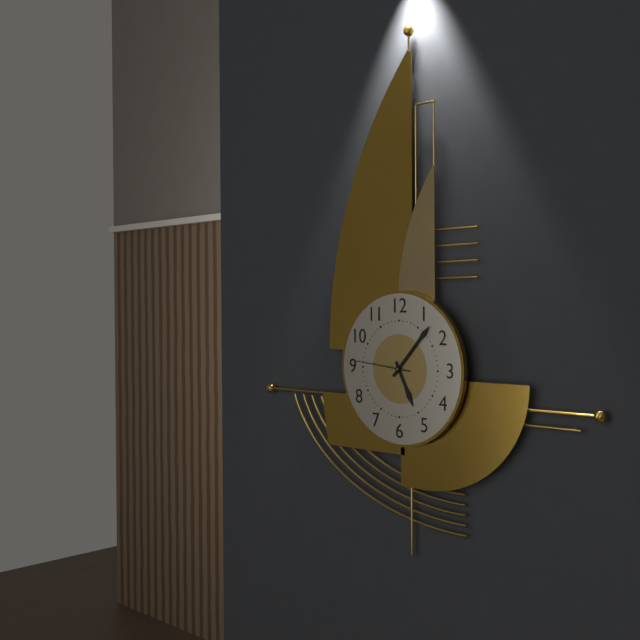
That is h=5 m=7 s=46
